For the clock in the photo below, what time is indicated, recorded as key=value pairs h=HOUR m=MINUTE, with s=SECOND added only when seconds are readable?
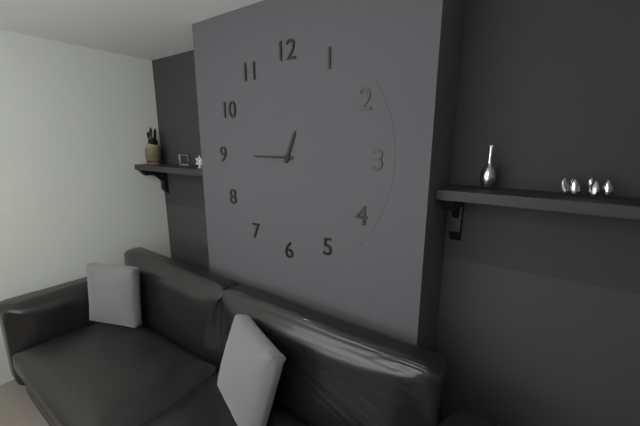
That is h=12 m=45
